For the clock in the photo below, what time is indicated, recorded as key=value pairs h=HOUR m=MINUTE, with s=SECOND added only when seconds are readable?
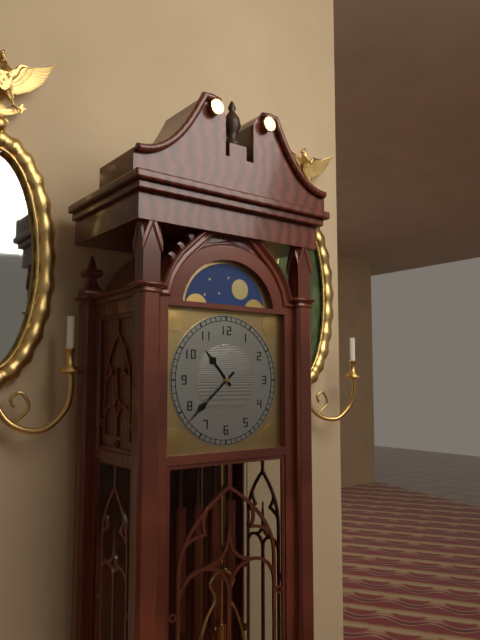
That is h=10 m=38
